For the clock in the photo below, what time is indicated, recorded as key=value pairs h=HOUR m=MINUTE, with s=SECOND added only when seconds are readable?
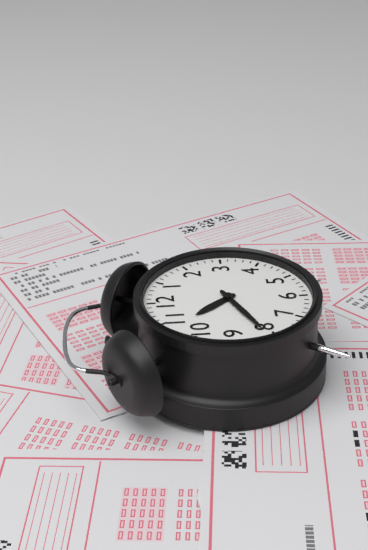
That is h=10 m=41
